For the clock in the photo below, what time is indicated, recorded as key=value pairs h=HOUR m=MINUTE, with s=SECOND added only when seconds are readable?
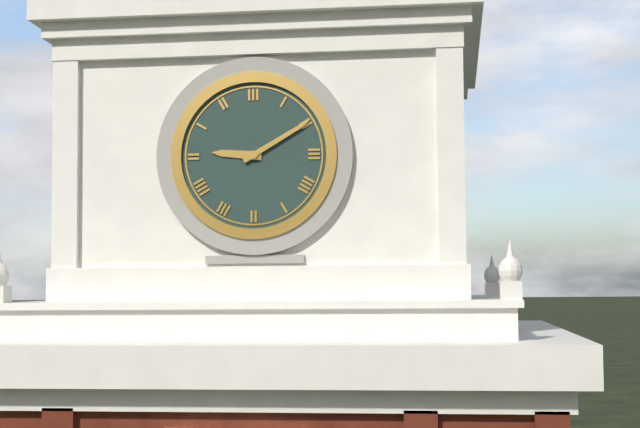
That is h=9 m=10
